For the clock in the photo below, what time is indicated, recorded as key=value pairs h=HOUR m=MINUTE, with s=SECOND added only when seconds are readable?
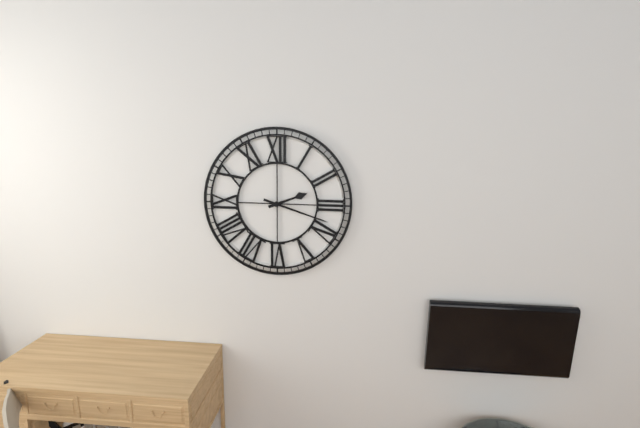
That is h=2 m=18
